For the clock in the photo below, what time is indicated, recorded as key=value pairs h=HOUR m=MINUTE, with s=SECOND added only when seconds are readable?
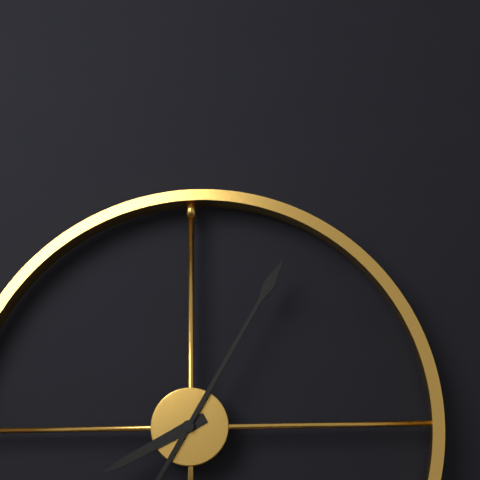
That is h=8 m=5
